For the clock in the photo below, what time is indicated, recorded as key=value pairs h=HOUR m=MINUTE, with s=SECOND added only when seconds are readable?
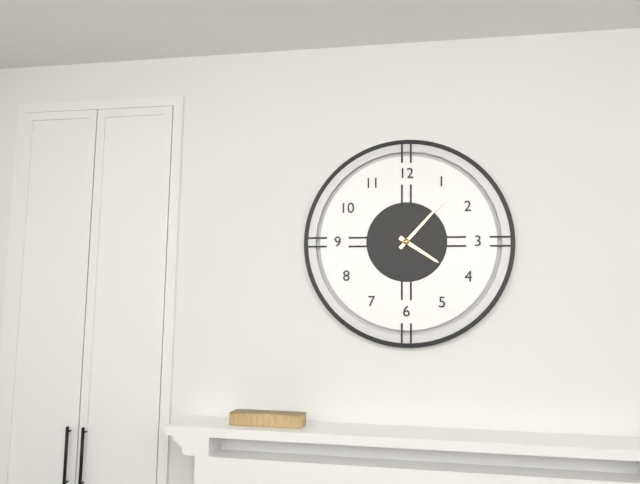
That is h=4 m=7
